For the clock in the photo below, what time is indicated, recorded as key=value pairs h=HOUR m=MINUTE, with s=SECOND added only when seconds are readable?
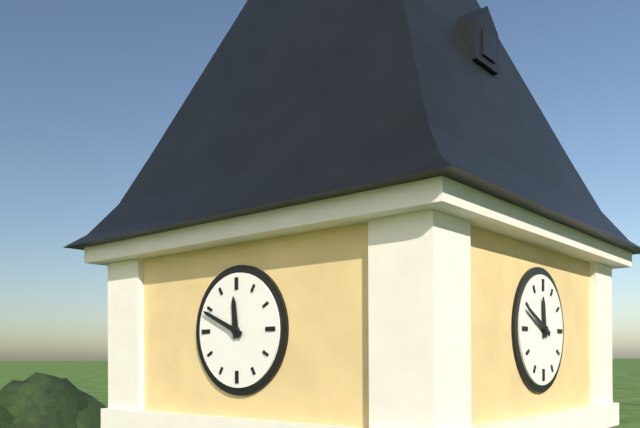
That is h=11 m=49
